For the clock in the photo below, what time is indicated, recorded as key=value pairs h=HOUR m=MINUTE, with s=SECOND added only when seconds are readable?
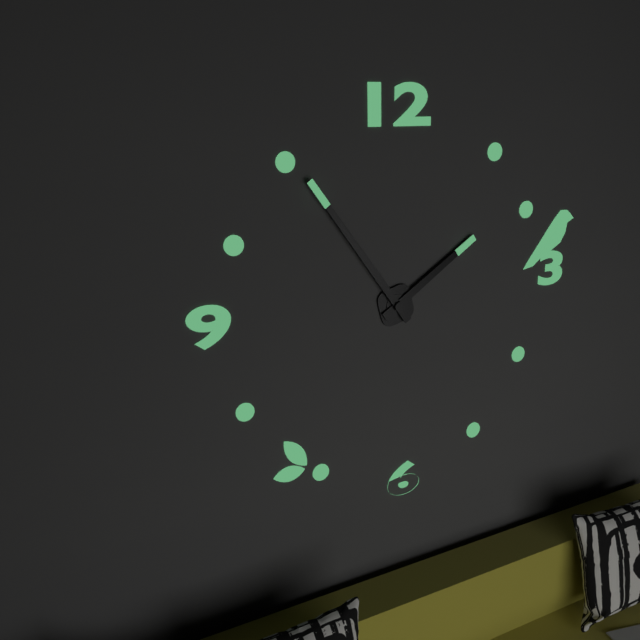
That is h=1 m=54
